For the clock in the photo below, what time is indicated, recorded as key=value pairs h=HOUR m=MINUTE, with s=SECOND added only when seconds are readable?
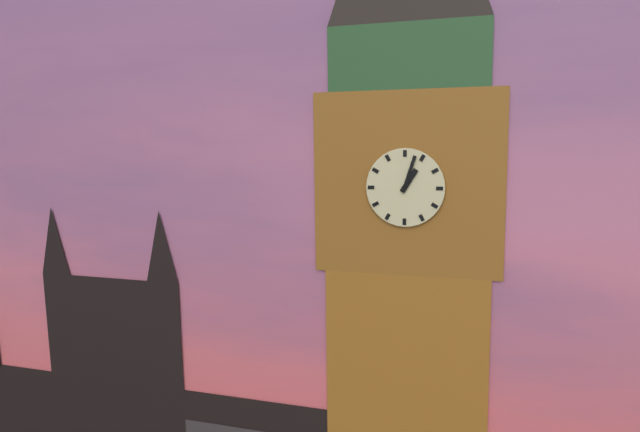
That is h=1 m=3
